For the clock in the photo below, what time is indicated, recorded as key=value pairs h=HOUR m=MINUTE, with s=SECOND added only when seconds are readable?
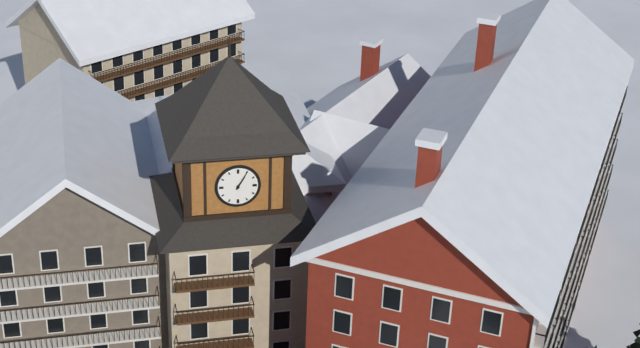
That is h=1 m=5
